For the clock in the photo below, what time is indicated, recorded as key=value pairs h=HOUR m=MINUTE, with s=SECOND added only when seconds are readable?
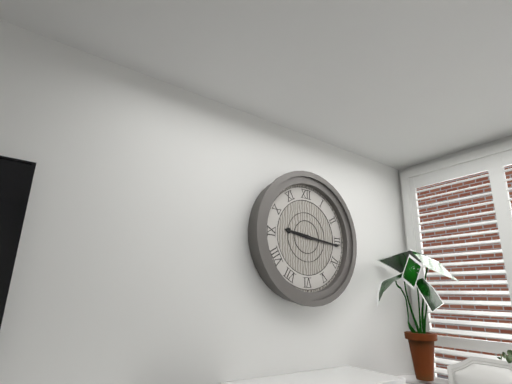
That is h=9 m=16
